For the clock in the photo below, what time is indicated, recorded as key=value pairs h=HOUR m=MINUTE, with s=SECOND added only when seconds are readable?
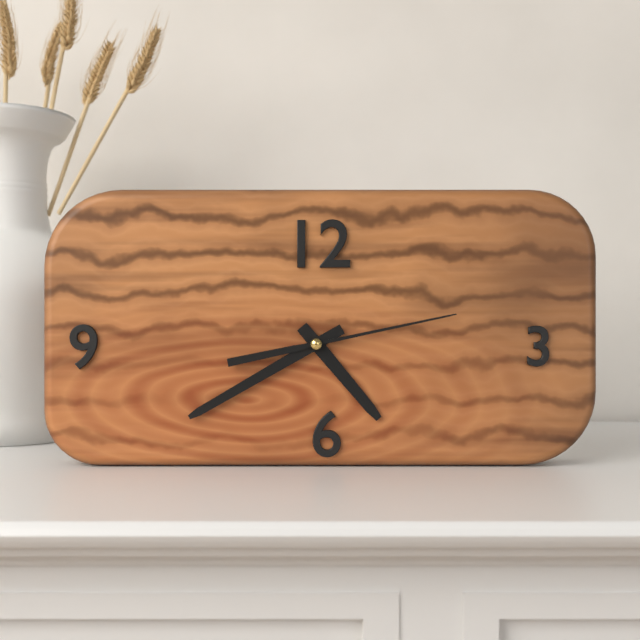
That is h=4 m=40 s=13
